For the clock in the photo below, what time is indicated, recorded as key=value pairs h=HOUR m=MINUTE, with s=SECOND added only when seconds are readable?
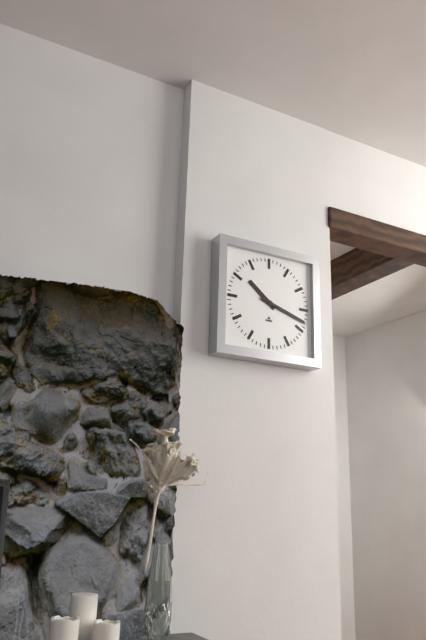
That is h=10 m=18
